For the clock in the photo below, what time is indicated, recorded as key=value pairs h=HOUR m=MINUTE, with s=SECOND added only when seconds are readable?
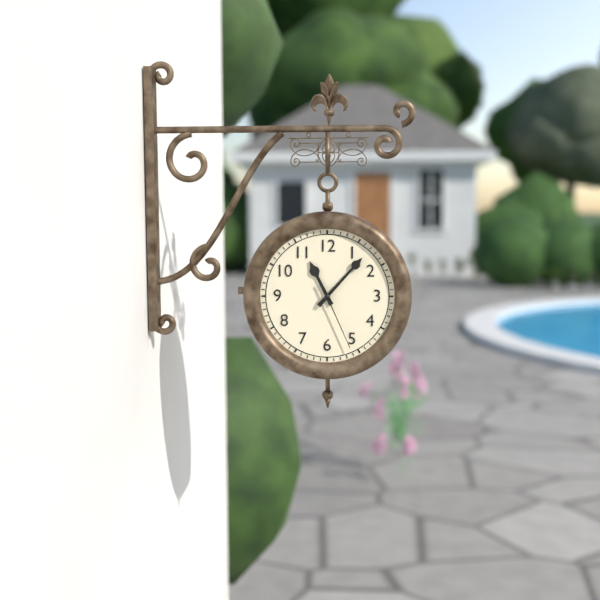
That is h=11 m=7 s=26
